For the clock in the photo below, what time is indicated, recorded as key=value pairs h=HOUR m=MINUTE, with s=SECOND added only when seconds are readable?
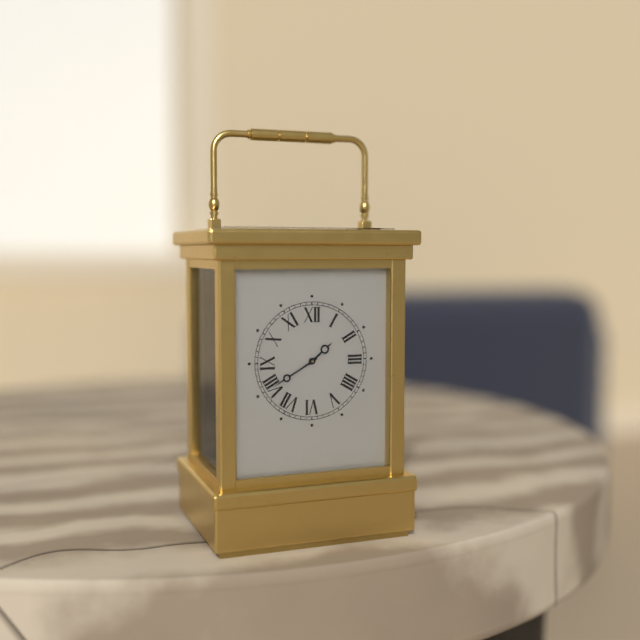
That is h=1 m=40
